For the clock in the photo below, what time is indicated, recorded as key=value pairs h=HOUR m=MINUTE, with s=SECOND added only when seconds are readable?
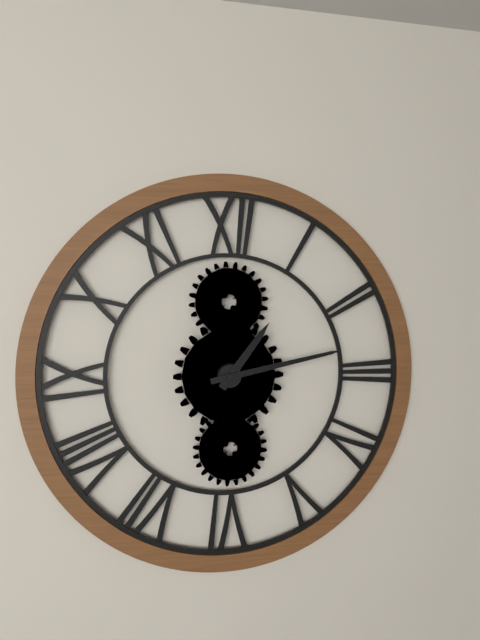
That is h=1 m=13
